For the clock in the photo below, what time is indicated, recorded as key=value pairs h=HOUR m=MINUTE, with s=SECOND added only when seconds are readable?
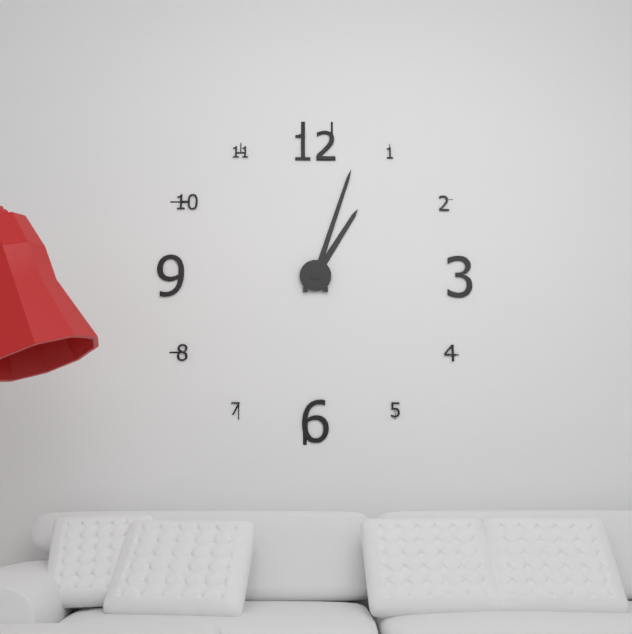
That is h=1 m=3
